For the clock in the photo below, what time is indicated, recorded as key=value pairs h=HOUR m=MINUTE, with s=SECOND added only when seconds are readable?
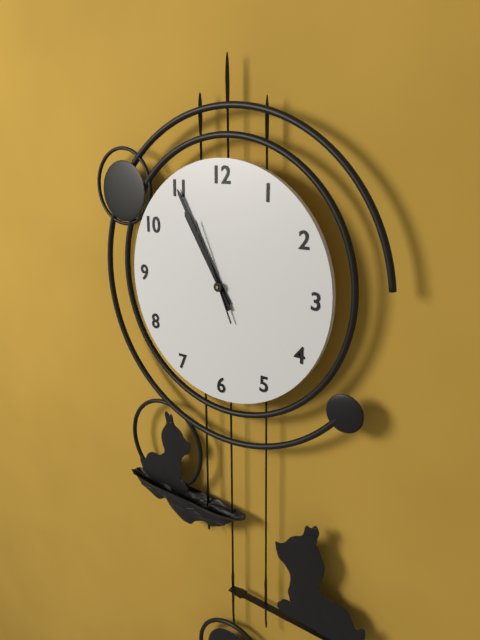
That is h=10 m=55 s=56
